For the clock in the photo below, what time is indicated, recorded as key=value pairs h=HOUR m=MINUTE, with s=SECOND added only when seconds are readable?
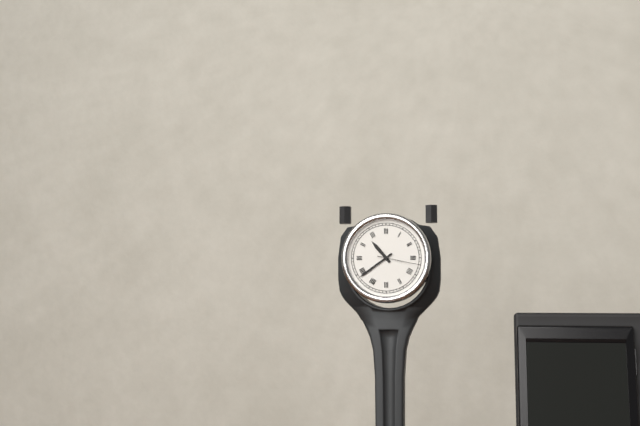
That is h=10 m=39
